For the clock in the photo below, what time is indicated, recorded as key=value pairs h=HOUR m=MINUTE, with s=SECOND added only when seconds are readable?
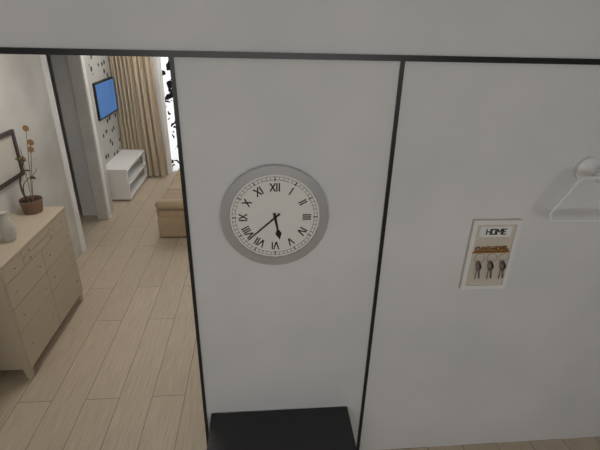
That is h=5 m=38
